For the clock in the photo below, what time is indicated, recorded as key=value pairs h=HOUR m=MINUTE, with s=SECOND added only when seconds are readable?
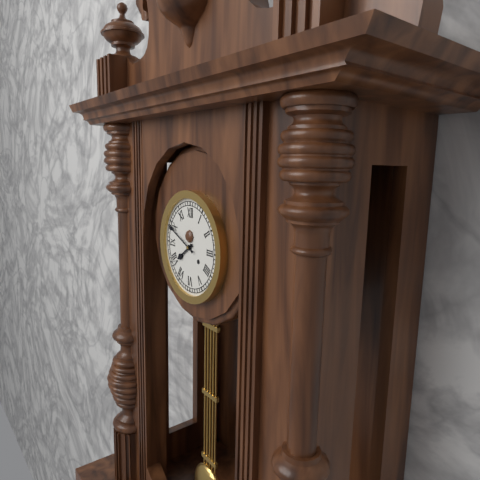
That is h=7 m=49
